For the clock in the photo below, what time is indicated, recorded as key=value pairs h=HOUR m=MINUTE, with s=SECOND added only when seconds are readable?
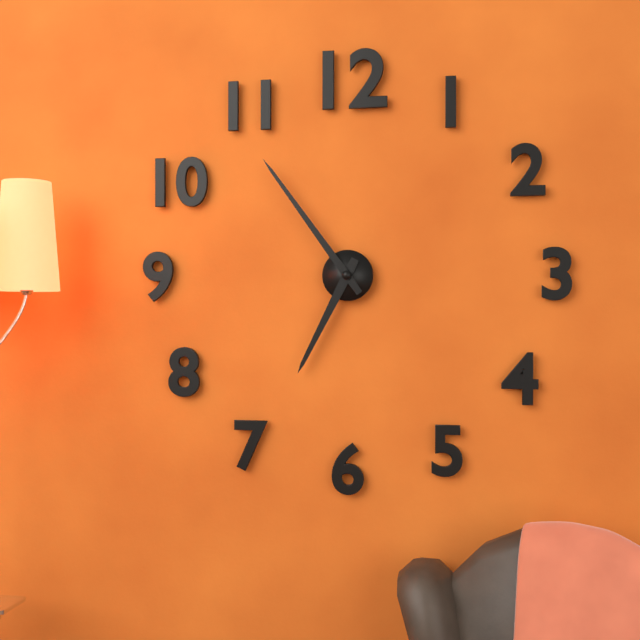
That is h=6 m=54
